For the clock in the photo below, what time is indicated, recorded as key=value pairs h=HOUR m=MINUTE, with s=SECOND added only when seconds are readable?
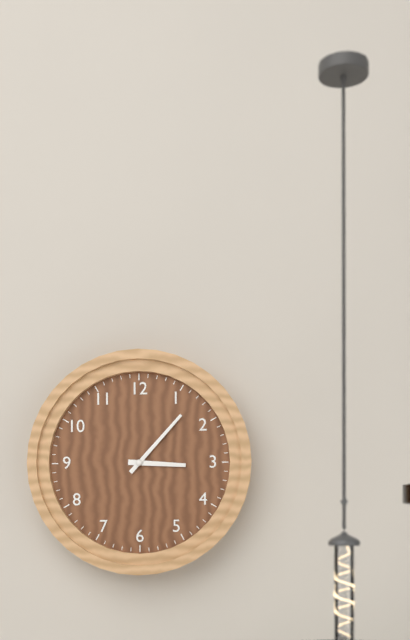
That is h=3 m=7
